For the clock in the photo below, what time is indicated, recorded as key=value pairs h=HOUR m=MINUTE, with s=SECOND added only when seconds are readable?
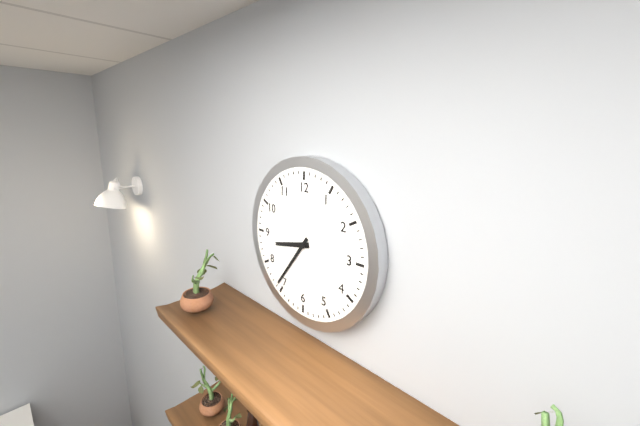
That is h=8 m=36
